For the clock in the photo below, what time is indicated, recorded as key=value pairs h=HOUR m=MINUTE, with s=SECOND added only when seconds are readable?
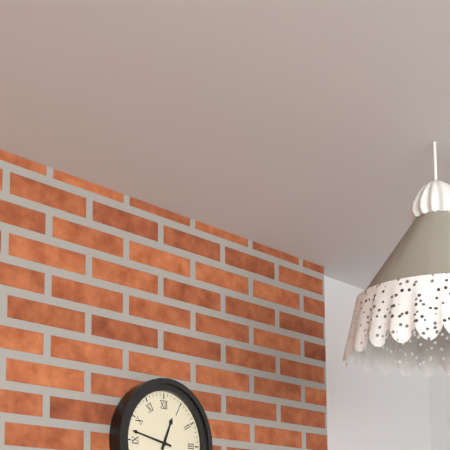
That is h=12 m=47
